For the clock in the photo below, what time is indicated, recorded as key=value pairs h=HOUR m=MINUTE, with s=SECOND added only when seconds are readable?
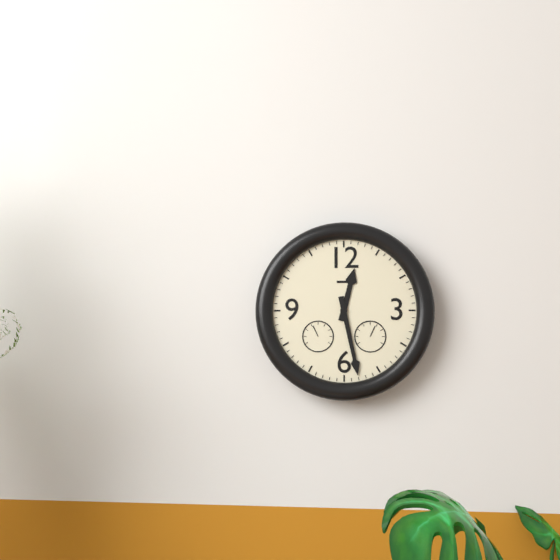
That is h=12 m=28
